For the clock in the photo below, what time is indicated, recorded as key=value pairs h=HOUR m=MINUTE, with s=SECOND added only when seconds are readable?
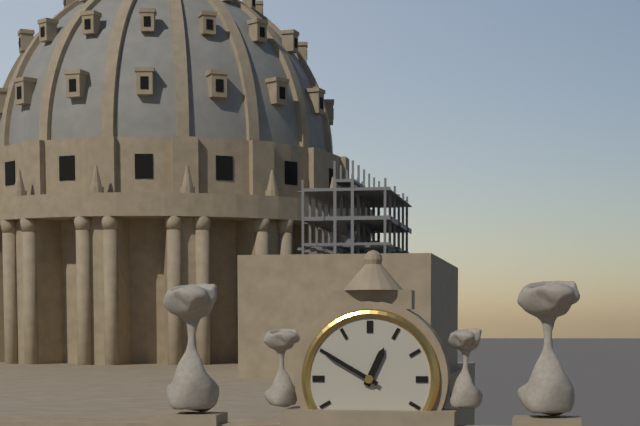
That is h=12 m=50
